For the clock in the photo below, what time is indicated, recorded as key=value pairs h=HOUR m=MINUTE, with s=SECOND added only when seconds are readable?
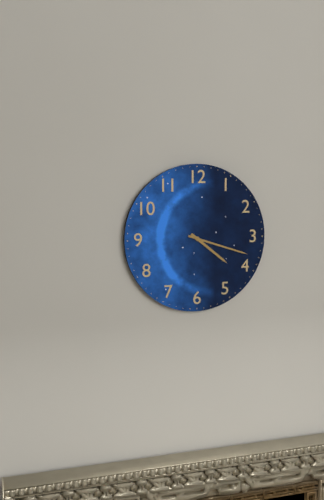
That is h=4 m=18
